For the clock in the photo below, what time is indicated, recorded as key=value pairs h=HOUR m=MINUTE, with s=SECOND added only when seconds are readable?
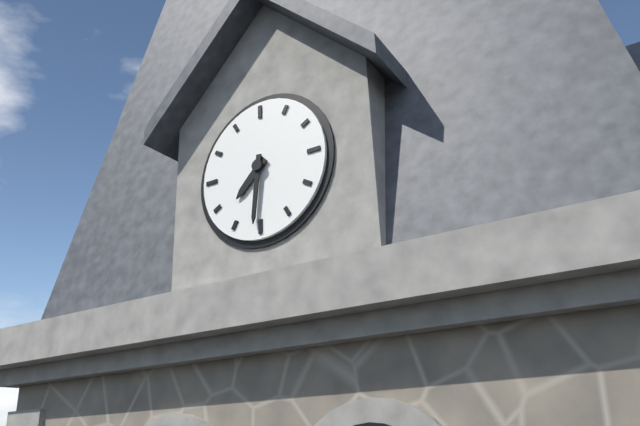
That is h=7 m=31
